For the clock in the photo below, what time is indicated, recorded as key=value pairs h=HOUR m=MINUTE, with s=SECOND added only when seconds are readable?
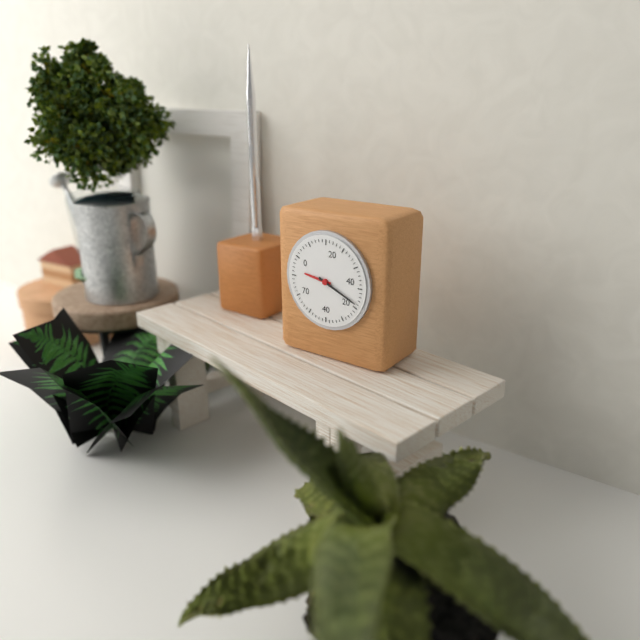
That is h=9 m=19
